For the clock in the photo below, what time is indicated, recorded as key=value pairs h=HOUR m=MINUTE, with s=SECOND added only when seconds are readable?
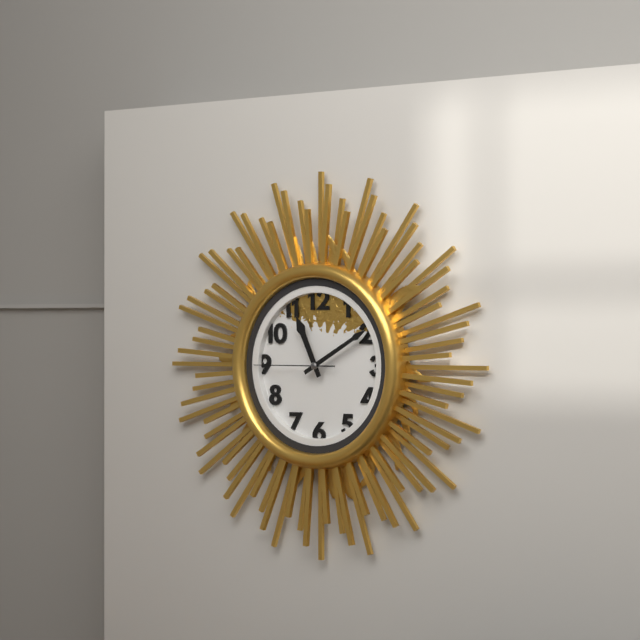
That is h=11 m=10 s=45
